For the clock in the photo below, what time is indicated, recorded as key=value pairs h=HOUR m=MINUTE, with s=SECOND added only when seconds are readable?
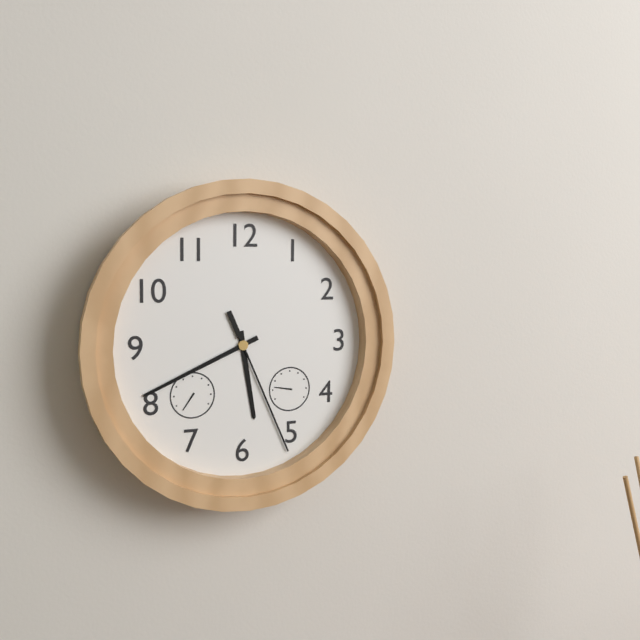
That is h=5 m=41 s=26
